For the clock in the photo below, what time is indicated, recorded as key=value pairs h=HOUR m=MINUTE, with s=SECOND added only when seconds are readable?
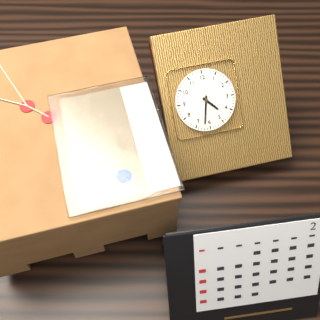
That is h=4 m=32
